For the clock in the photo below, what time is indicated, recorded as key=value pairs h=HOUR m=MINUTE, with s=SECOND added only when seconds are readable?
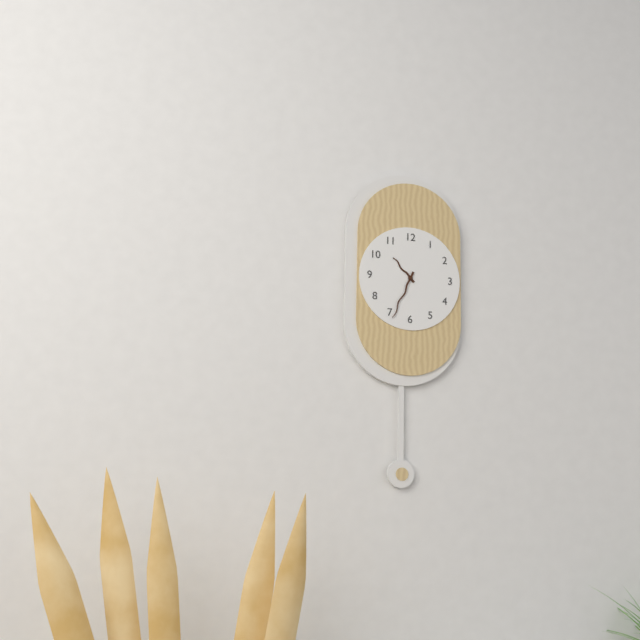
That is h=10 m=34
